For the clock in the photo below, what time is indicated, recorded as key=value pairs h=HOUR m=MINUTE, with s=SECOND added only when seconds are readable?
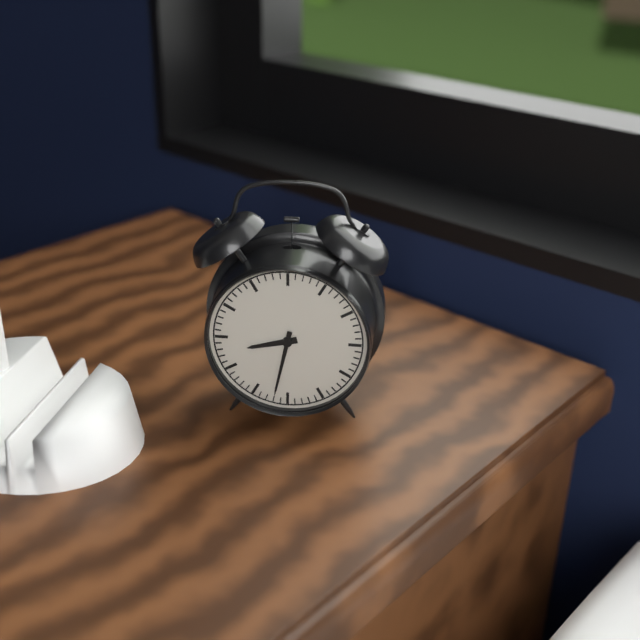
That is h=8 m=32
